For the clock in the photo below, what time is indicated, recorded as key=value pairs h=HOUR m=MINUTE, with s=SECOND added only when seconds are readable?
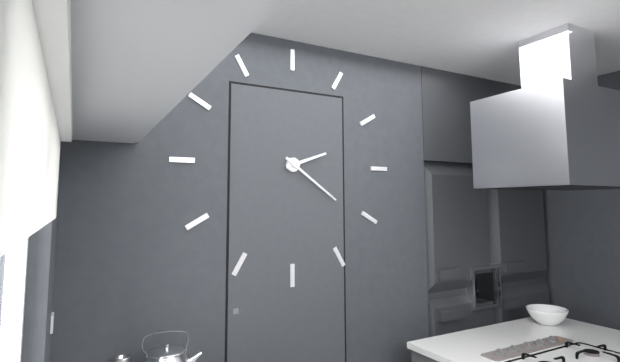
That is h=2 m=21
